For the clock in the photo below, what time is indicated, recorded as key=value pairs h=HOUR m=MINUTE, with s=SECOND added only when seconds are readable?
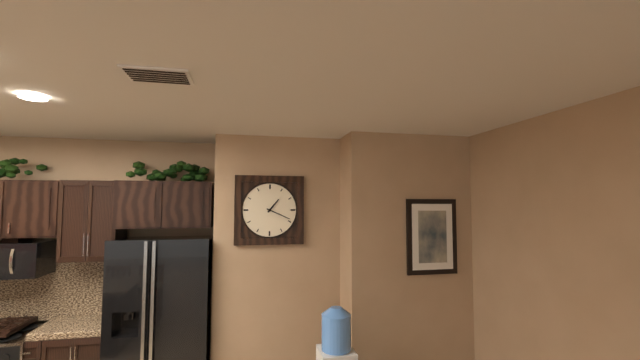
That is h=1 m=19
